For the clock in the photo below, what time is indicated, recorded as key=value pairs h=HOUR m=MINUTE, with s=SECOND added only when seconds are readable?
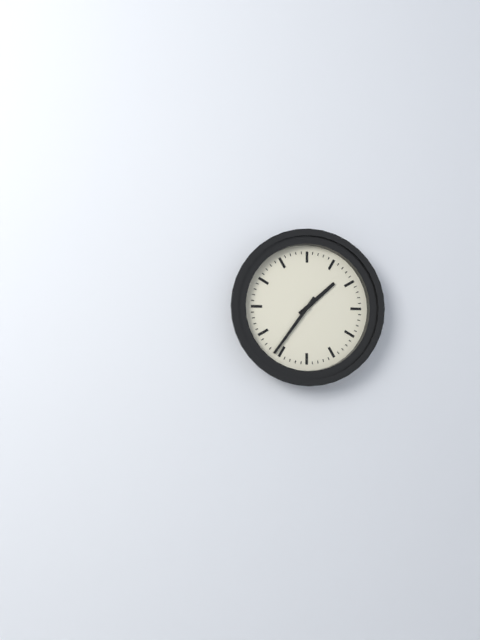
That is h=1 m=36
